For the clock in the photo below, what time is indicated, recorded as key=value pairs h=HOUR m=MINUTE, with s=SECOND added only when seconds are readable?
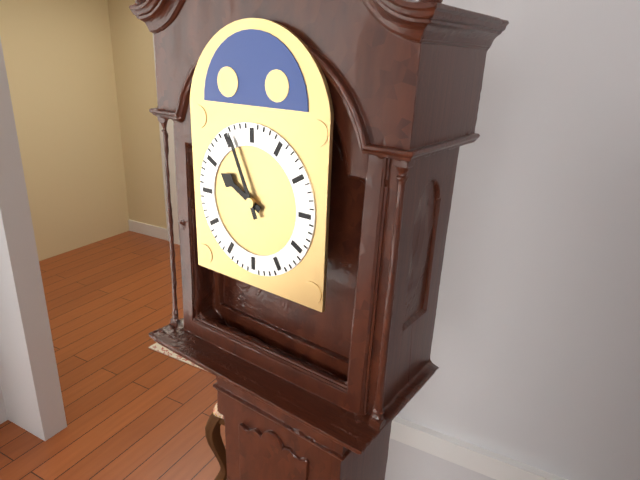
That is h=9 m=56
